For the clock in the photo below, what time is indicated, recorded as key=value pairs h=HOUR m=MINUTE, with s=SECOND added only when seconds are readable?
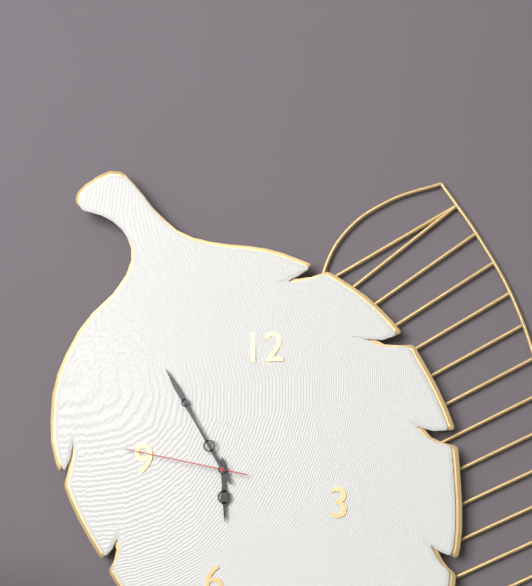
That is h=5 m=55 s=47
